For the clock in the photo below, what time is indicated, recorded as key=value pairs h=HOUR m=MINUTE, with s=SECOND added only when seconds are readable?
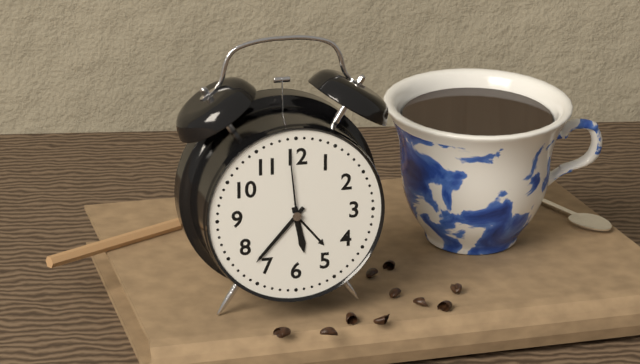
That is h=5 m=37 s=59
